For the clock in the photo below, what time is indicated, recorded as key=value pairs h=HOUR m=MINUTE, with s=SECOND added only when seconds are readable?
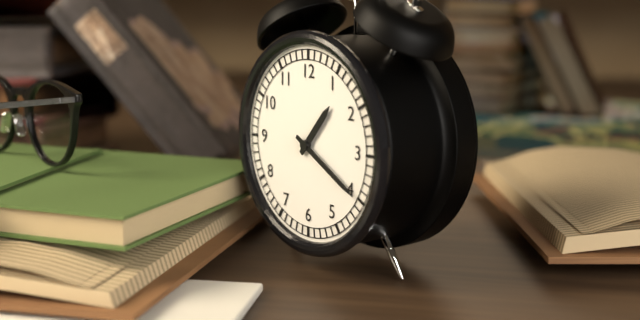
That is h=1 m=20
